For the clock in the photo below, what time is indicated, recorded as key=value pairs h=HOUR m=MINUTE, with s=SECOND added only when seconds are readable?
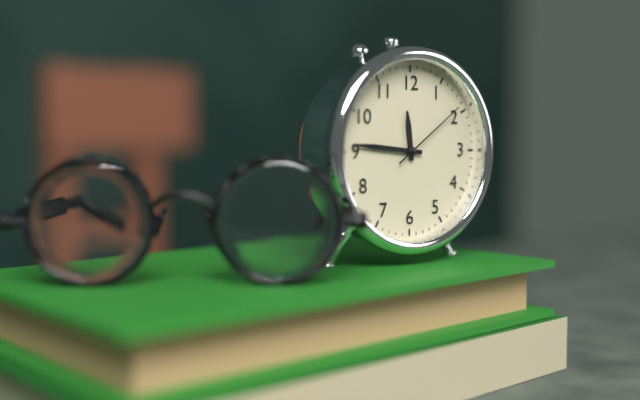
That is h=11 m=46 s=9
